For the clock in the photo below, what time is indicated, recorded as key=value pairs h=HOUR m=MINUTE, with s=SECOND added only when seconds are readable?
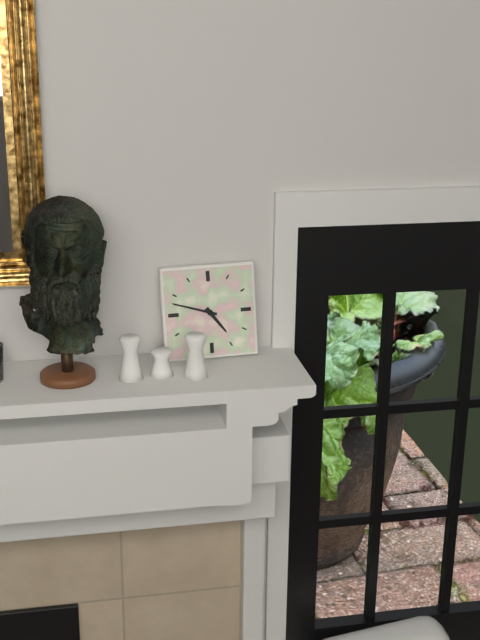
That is h=4 m=48
